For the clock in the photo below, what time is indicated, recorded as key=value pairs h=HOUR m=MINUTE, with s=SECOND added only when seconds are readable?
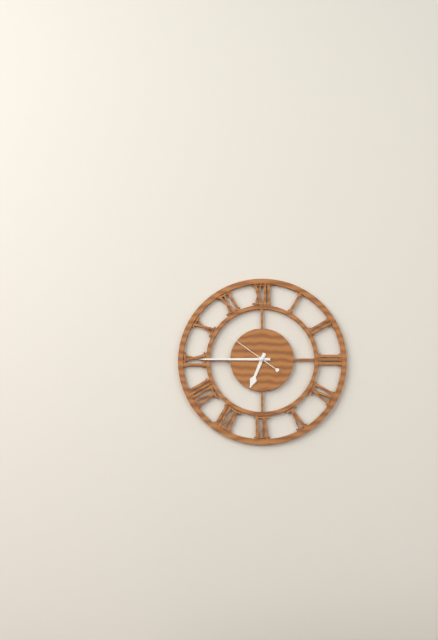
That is h=6 m=45 s=51
